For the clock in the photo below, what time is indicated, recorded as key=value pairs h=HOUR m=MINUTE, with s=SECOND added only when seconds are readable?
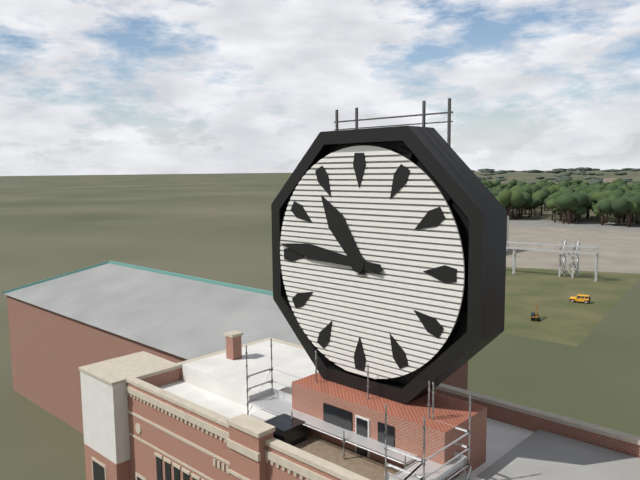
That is h=10 m=46
